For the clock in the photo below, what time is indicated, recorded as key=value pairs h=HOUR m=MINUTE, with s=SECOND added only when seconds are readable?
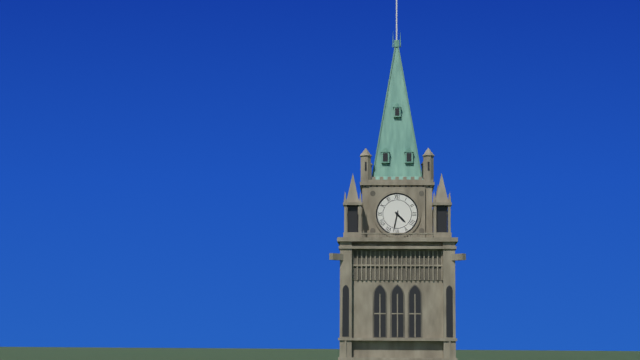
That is h=4 m=32
